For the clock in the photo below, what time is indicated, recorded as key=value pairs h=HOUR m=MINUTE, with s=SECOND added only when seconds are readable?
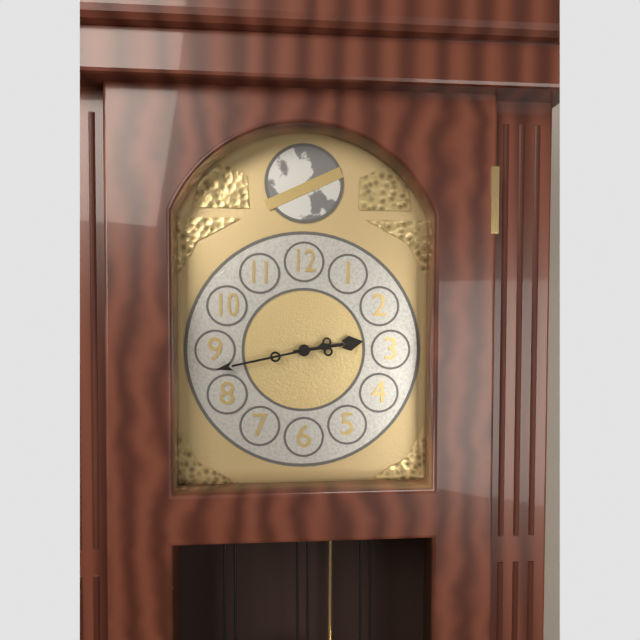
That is h=2 m=43
